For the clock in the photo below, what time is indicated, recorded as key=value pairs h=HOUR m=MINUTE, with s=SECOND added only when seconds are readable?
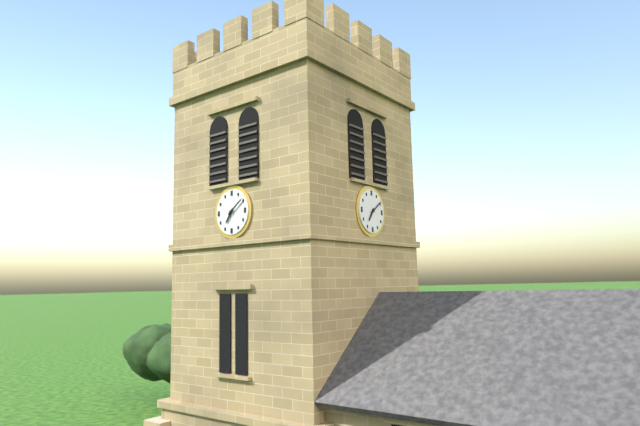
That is h=7 m=9
